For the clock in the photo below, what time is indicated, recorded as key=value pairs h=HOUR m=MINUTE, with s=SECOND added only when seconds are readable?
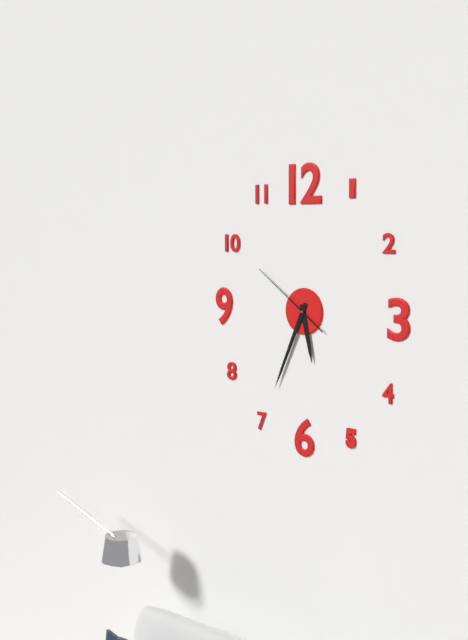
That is h=5 m=34 s=51
